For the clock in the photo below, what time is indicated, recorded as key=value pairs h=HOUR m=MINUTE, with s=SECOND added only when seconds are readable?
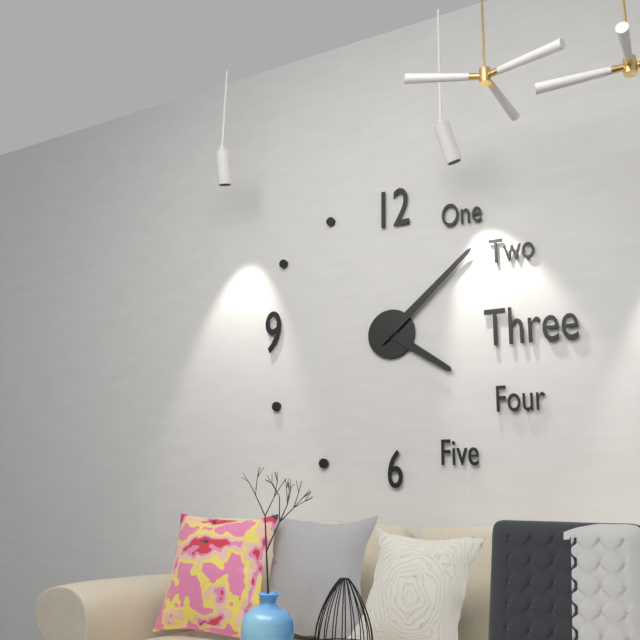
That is h=4 m=8
